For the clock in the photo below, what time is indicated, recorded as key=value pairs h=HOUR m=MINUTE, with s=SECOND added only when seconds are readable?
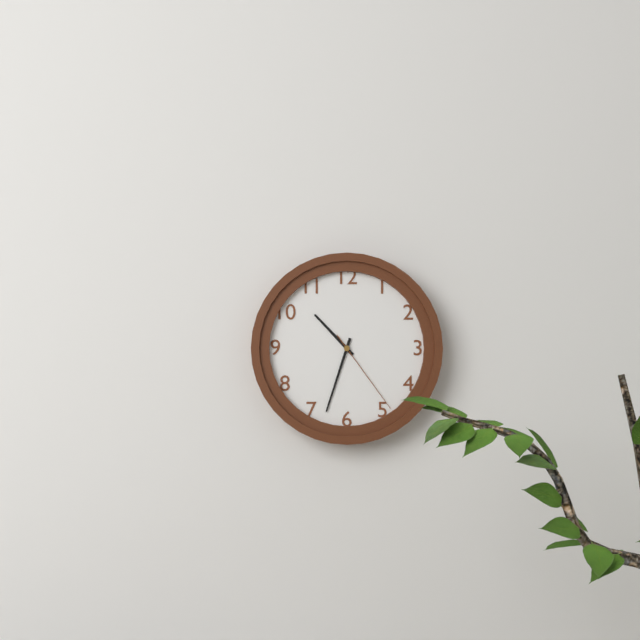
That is h=10 m=33 s=24
